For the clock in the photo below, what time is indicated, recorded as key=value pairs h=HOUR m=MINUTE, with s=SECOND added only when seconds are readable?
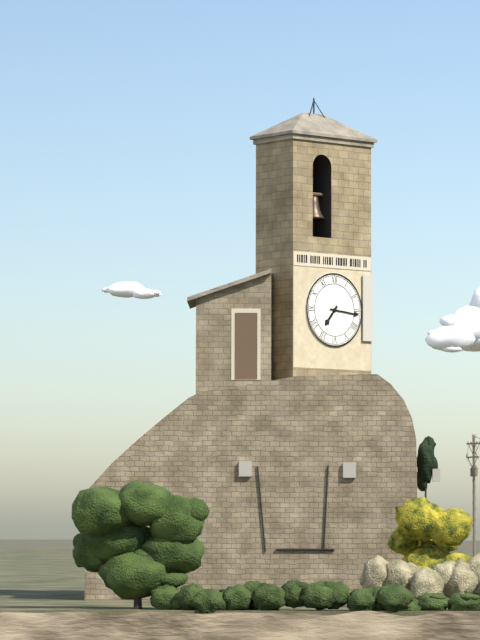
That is h=7 m=16
